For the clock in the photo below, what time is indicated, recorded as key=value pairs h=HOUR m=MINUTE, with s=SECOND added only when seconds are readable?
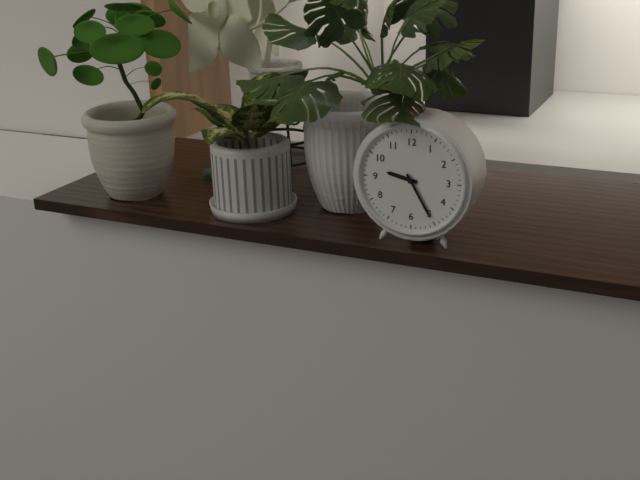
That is h=9 m=25
